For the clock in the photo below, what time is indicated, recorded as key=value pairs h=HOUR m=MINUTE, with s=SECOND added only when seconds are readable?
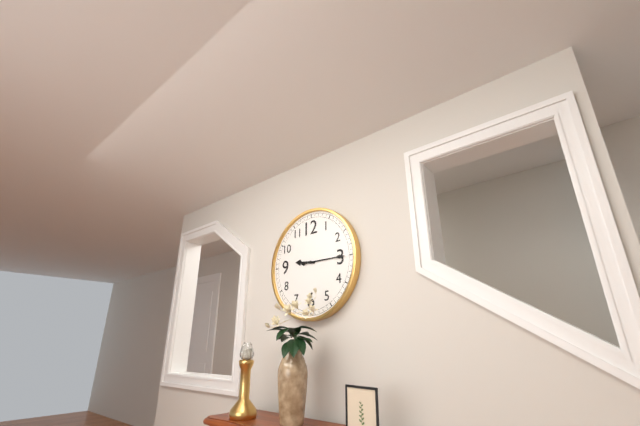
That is h=9 m=15
